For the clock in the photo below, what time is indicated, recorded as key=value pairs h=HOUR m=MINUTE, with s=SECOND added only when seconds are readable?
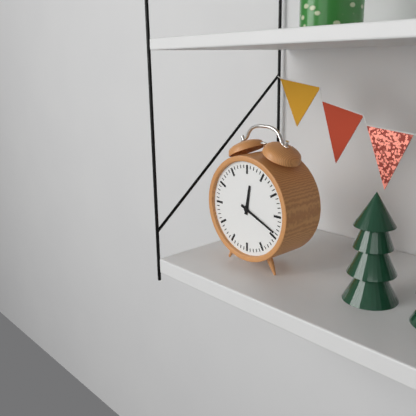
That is h=12 m=19
